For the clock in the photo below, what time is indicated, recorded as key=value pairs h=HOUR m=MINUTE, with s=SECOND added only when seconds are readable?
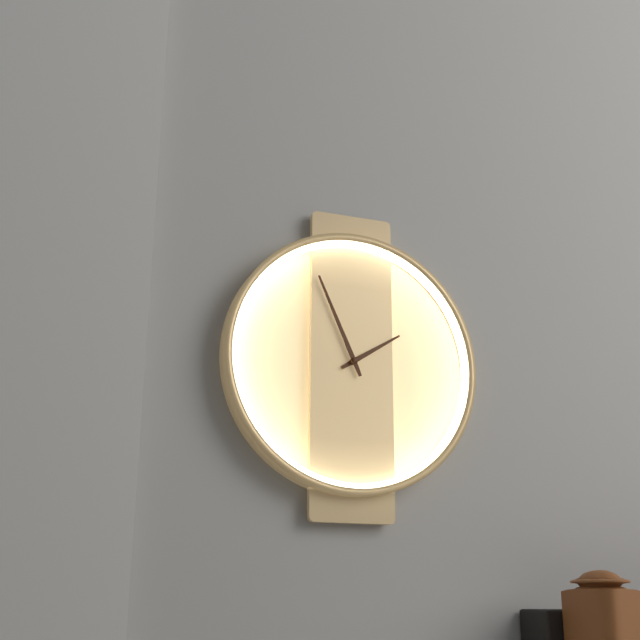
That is h=1 m=56
